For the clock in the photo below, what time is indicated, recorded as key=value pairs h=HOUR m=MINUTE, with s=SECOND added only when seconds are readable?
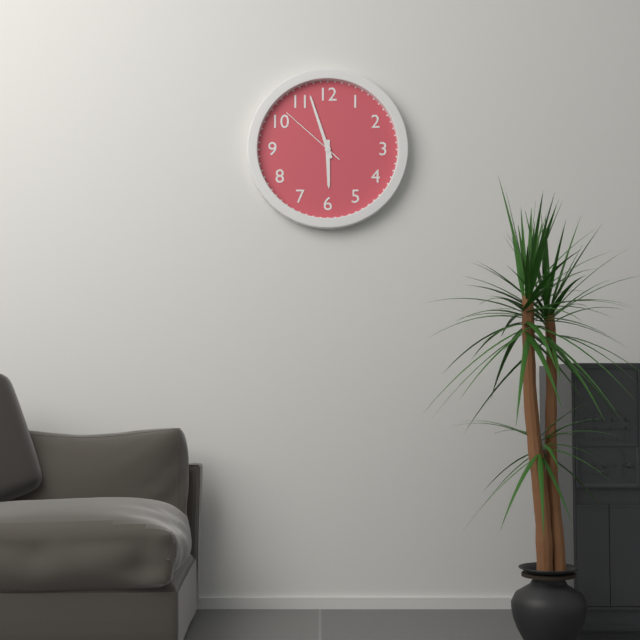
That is h=5 m=57 s=52
